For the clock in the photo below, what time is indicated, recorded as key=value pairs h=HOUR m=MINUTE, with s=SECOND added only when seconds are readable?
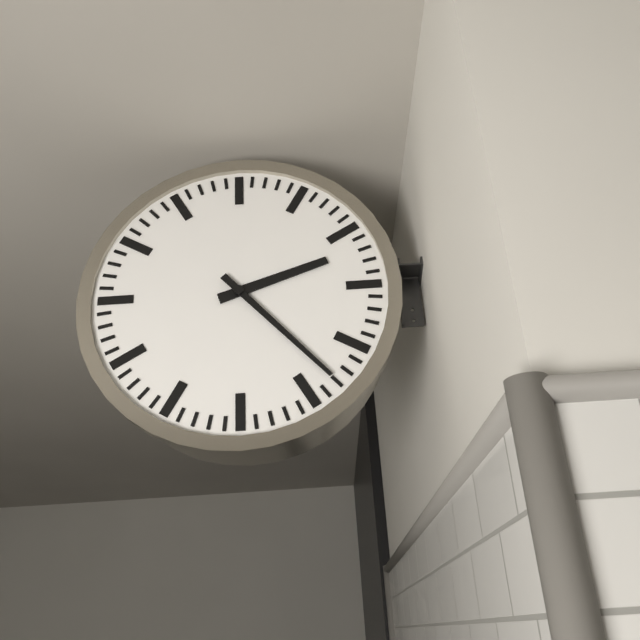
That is h=2 m=23
